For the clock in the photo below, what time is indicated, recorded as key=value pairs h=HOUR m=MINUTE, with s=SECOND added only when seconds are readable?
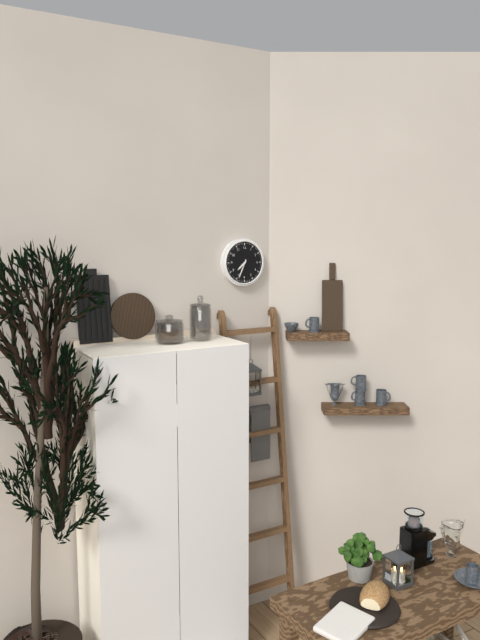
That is h=7 m=34
